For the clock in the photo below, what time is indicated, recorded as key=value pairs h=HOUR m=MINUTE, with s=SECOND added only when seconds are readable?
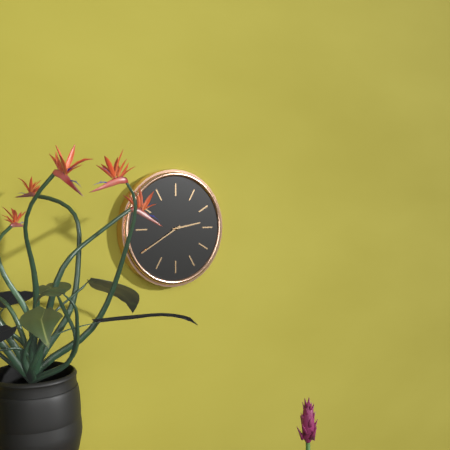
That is h=2 m=40
